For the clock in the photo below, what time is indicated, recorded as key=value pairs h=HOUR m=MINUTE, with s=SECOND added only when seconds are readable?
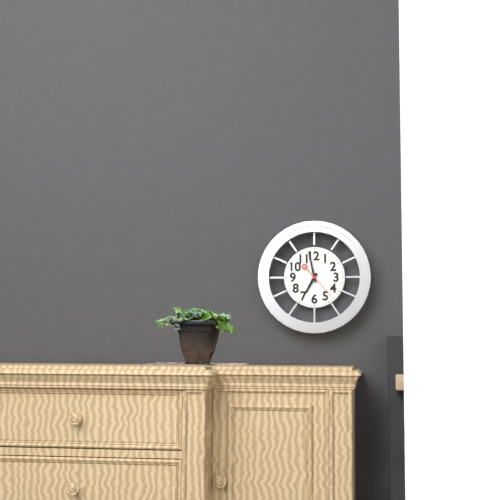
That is h=6 m=58
